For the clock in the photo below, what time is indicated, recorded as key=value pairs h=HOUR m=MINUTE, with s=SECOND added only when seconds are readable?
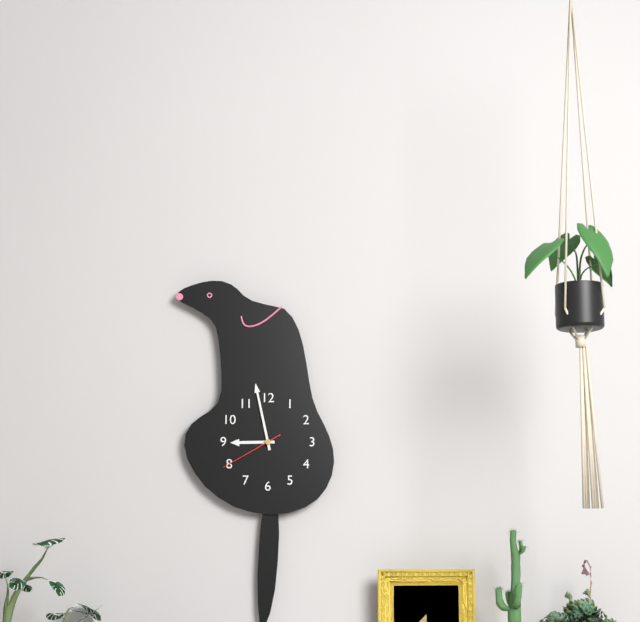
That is h=8 m=58 s=40
